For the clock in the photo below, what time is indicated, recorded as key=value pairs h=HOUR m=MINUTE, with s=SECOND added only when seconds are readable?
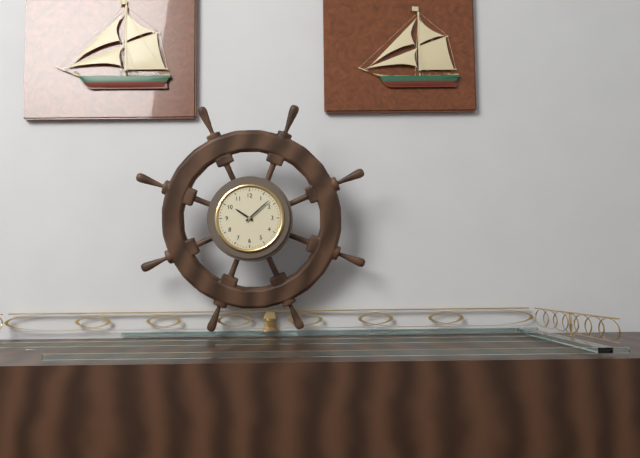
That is h=10 m=8
